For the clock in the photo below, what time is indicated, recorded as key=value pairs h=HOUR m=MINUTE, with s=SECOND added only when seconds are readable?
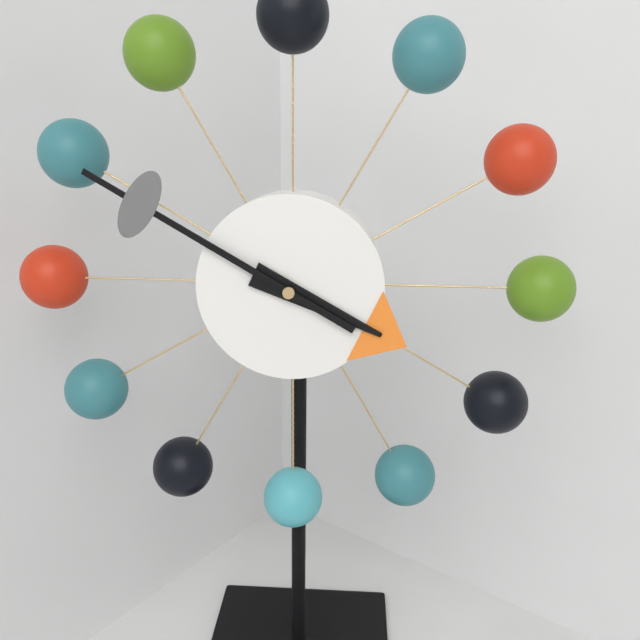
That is h=3 m=50
